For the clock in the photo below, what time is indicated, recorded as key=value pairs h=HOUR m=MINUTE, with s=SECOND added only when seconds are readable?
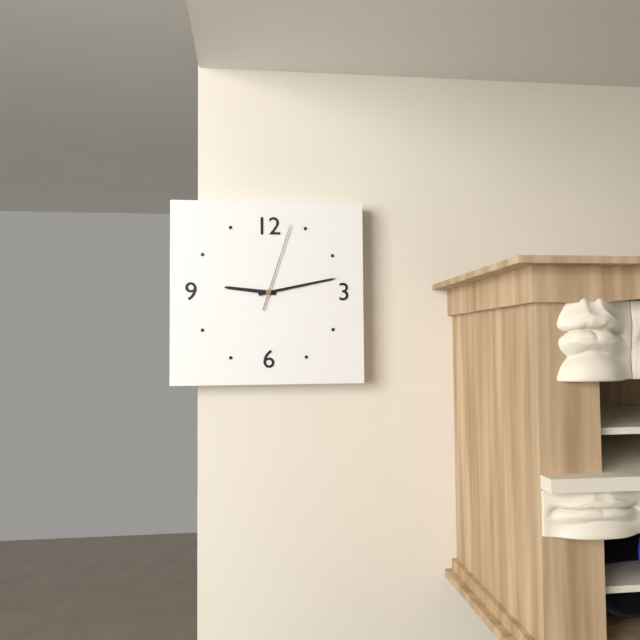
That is h=9 m=13 s=3
